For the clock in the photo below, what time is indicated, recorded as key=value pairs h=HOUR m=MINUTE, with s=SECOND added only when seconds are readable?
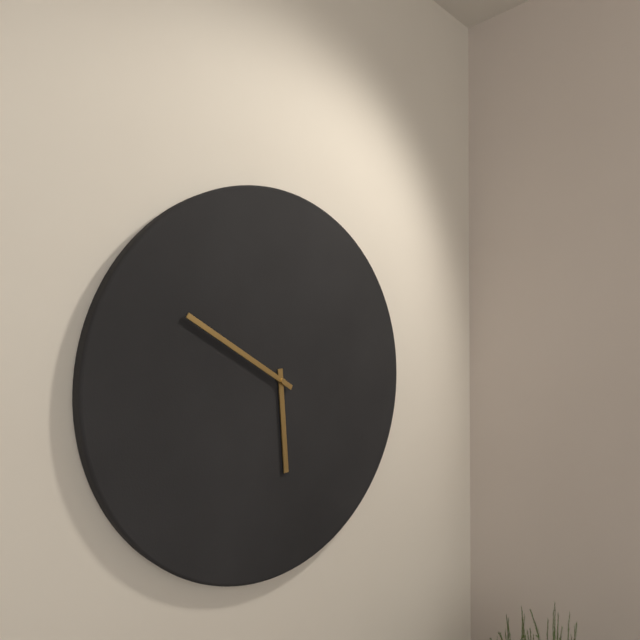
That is h=5 m=50
